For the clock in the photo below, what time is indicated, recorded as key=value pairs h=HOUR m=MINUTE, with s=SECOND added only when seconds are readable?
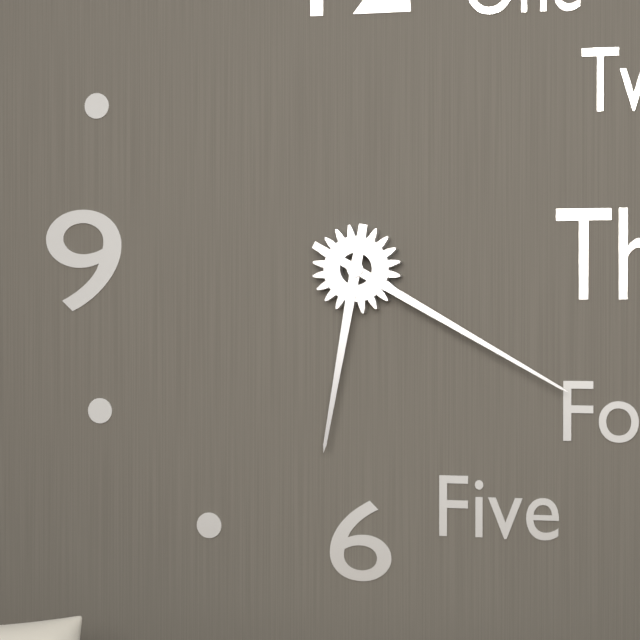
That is h=6 m=20
